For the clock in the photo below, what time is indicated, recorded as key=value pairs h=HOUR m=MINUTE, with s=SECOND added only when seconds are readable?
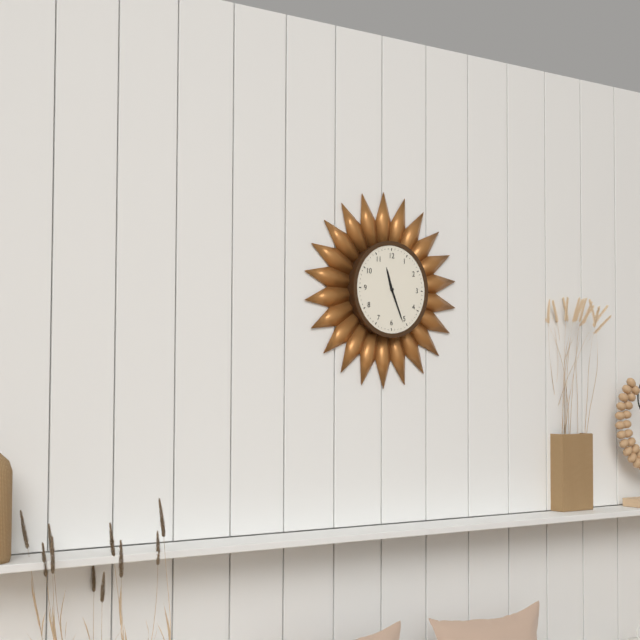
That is h=11 m=26
